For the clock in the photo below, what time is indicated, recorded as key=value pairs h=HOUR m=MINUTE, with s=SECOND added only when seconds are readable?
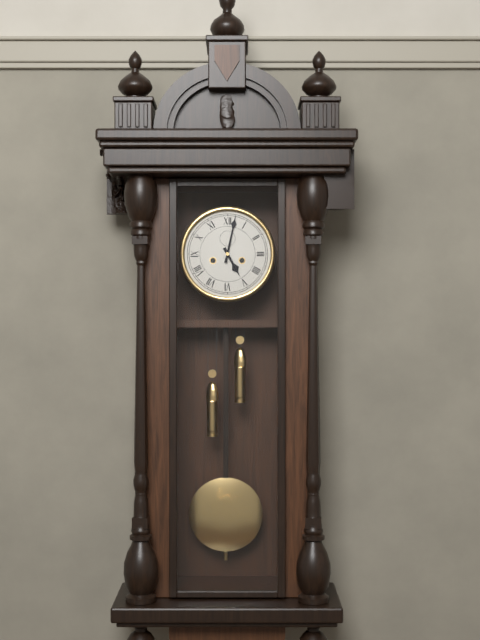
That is h=5 m=2
